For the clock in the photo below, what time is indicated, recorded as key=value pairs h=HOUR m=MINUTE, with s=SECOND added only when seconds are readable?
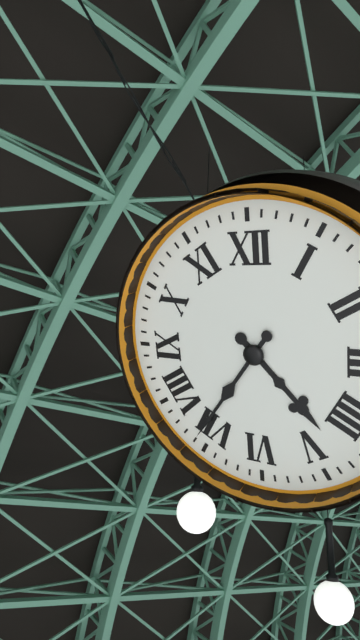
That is h=4 m=36
